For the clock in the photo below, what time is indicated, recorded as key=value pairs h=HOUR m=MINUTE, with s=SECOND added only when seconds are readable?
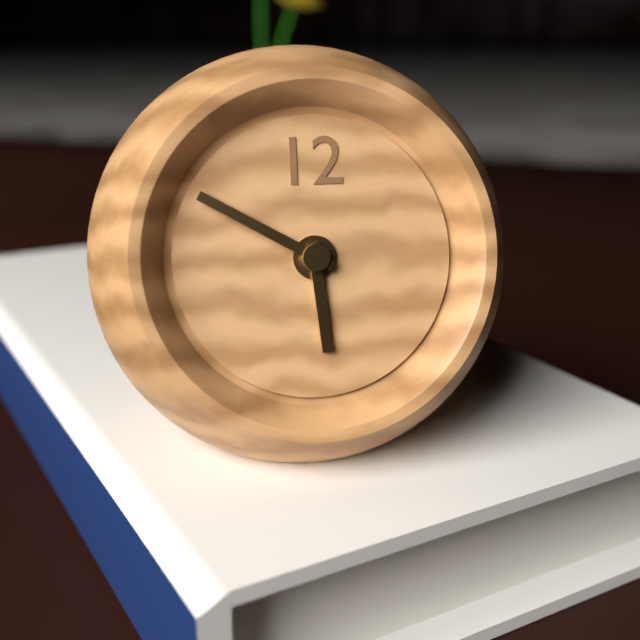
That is h=5 m=50
